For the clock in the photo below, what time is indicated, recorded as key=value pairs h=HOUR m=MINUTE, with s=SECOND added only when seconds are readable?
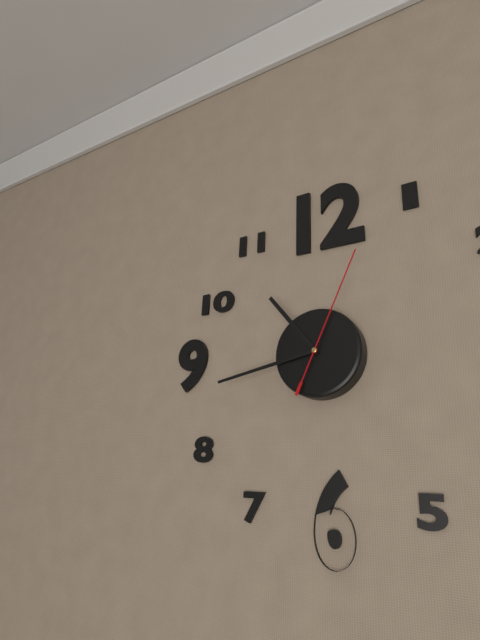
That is h=10 m=43 s=4
